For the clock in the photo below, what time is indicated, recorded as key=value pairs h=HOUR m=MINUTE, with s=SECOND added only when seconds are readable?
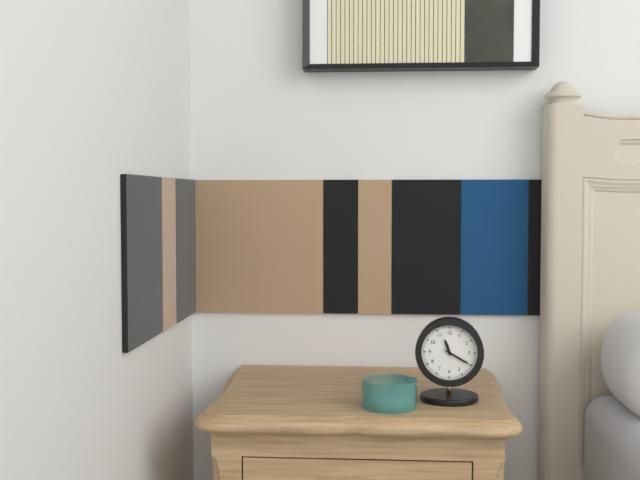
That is h=11 m=20
